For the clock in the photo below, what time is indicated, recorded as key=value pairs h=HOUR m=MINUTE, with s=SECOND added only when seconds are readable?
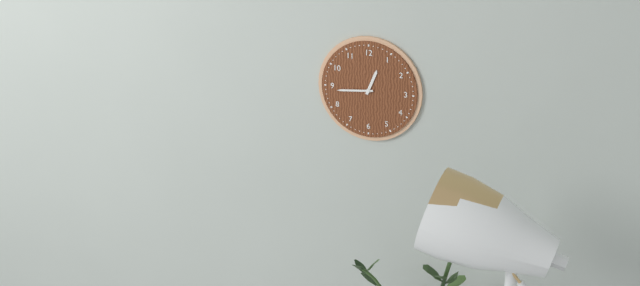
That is h=12 m=44
